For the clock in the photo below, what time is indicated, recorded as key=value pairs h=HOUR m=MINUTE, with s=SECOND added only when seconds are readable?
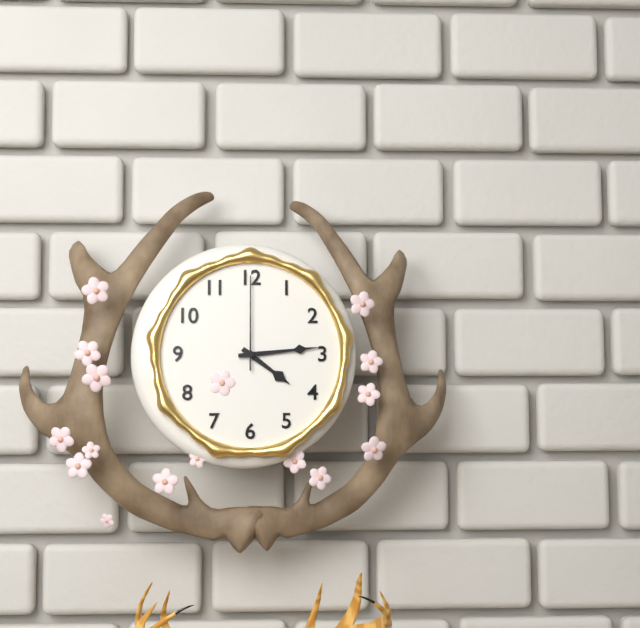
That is h=4 m=14 s=0
